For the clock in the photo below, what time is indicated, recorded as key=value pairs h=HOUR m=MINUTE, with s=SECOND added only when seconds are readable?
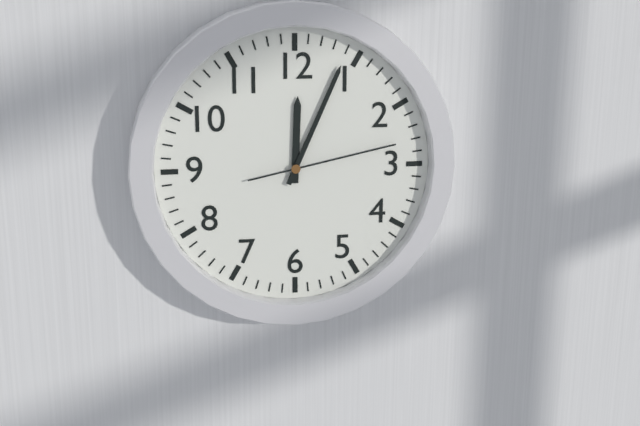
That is h=12 m=4 s=13
